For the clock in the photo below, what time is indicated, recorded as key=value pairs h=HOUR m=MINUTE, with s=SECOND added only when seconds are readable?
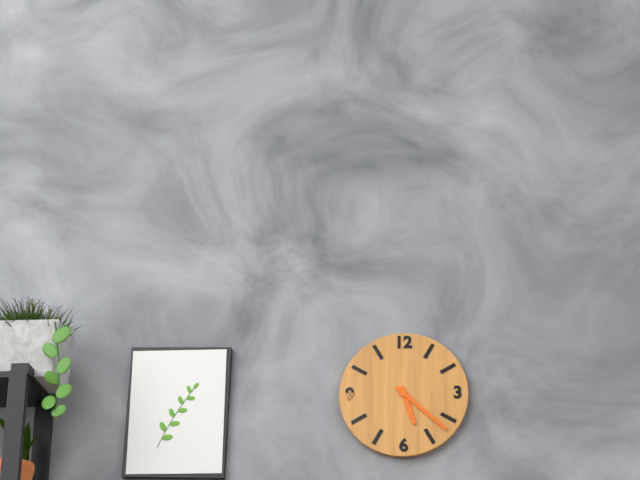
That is h=5 m=22
